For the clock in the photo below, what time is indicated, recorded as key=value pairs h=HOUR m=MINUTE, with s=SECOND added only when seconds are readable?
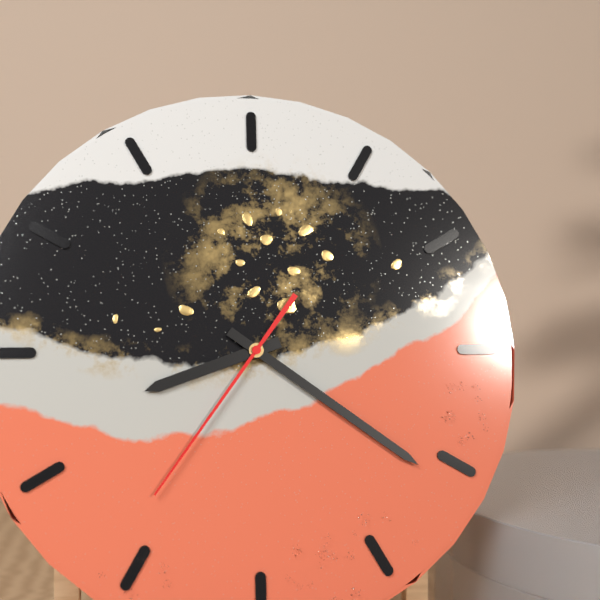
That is h=8 m=21 s=36
